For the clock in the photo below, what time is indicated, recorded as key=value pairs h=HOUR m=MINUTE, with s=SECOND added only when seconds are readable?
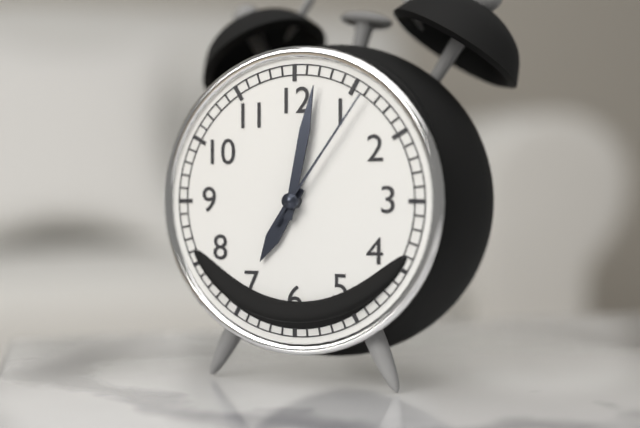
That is h=7 m=2 s=6
